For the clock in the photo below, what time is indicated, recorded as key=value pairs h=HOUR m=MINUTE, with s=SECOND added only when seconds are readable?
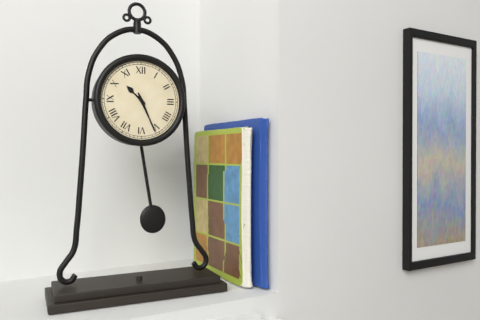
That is h=10 m=26
